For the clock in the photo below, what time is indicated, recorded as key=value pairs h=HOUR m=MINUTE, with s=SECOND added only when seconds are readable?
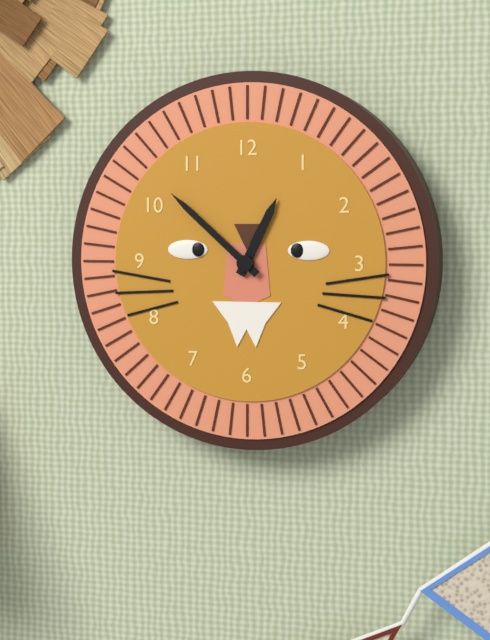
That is h=12 m=52
